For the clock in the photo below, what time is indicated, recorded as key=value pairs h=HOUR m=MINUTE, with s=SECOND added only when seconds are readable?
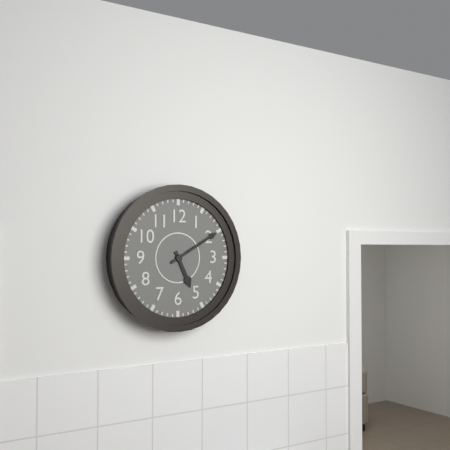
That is h=5 m=10
